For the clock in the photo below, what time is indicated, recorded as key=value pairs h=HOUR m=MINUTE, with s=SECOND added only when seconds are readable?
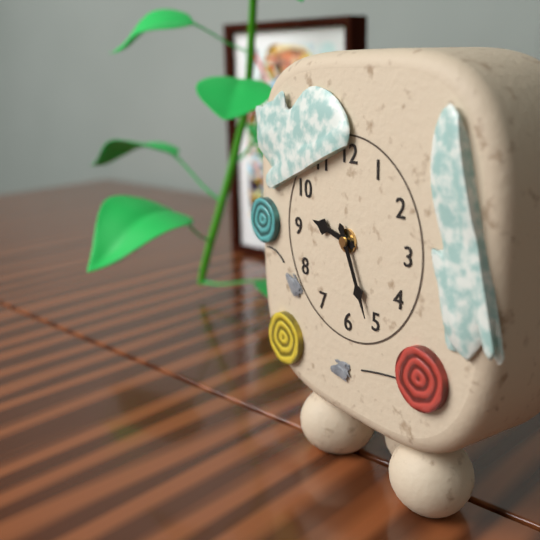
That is h=9 m=26
